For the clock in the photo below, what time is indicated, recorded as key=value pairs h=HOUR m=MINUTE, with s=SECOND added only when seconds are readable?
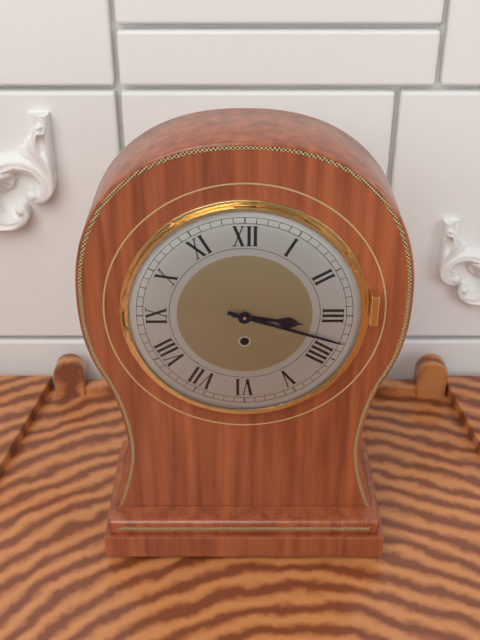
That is h=3 m=18
